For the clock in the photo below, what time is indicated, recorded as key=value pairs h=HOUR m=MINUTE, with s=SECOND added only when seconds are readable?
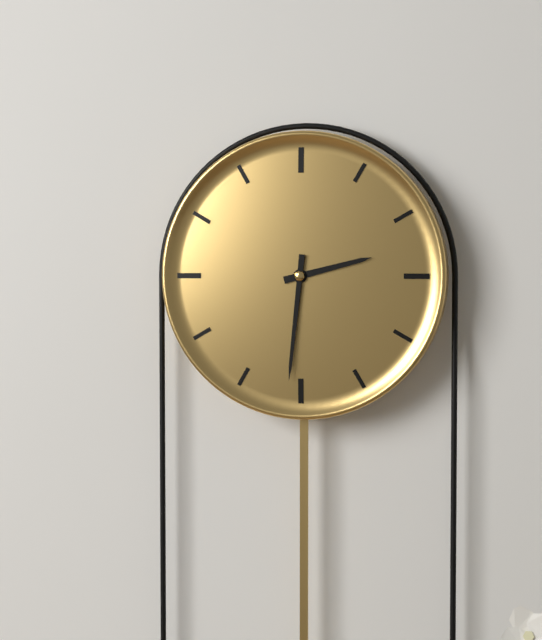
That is h=2 m=31
